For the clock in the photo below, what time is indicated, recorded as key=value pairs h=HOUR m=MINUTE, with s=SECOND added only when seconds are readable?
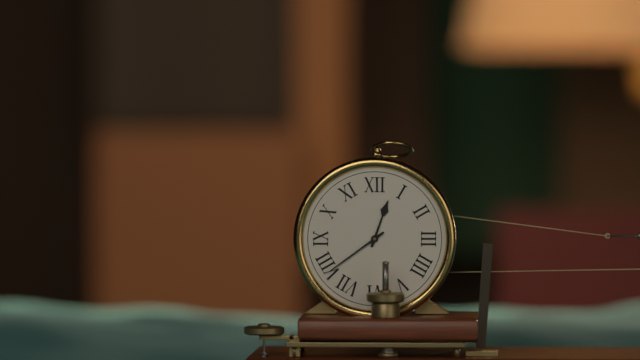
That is h=12 m=39
